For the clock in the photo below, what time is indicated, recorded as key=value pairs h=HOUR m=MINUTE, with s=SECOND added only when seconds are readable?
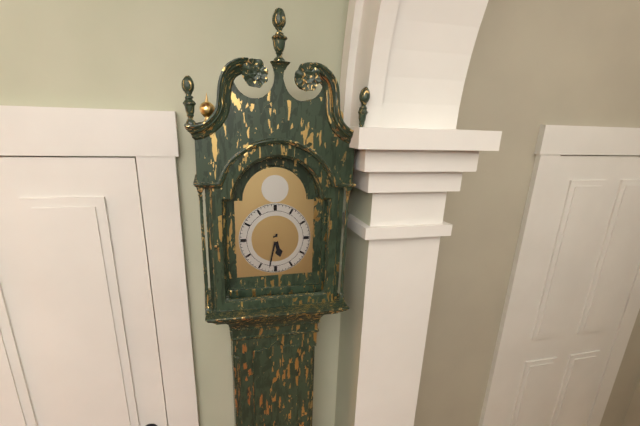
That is h=5 m=32
